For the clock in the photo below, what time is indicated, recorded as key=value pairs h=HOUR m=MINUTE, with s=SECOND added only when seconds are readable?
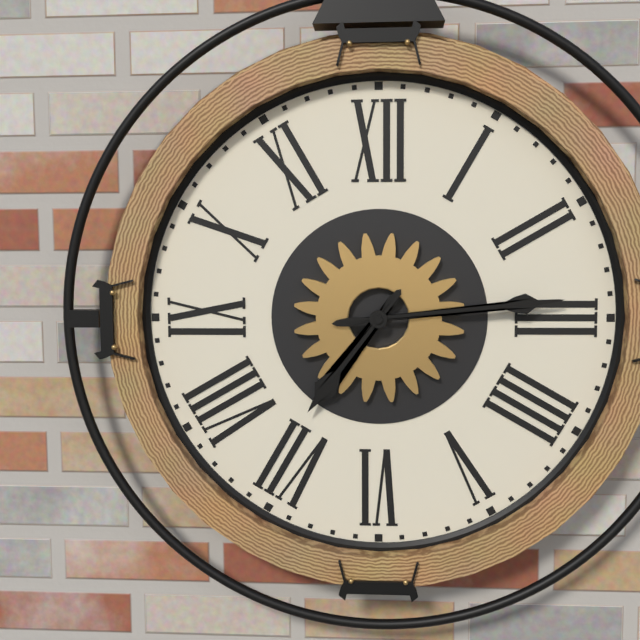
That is h=7 m=14
